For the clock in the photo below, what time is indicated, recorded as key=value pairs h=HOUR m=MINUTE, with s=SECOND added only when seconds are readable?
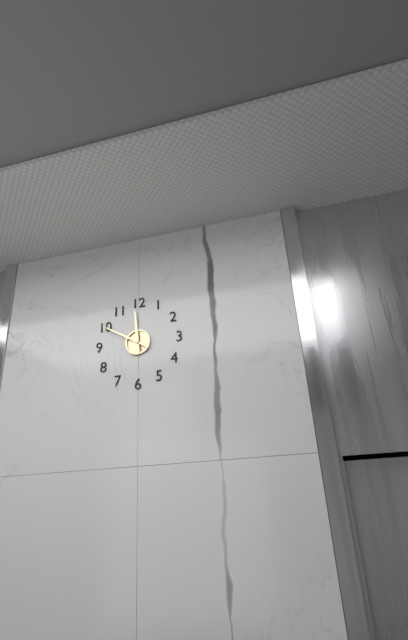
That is h=11 m=50
